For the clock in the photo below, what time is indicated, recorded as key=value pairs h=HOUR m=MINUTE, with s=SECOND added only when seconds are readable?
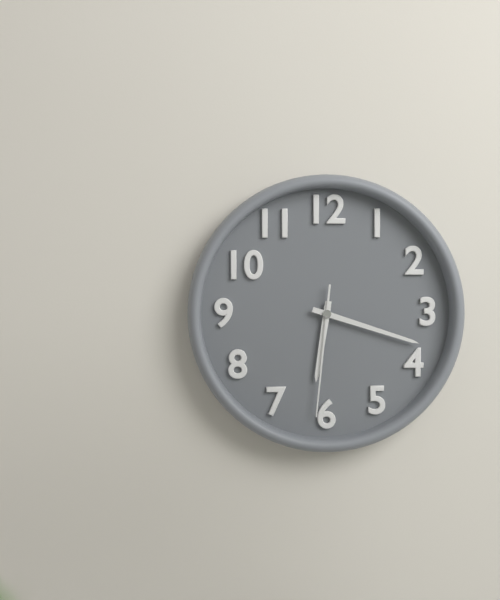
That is h=6 m=18 s=31
